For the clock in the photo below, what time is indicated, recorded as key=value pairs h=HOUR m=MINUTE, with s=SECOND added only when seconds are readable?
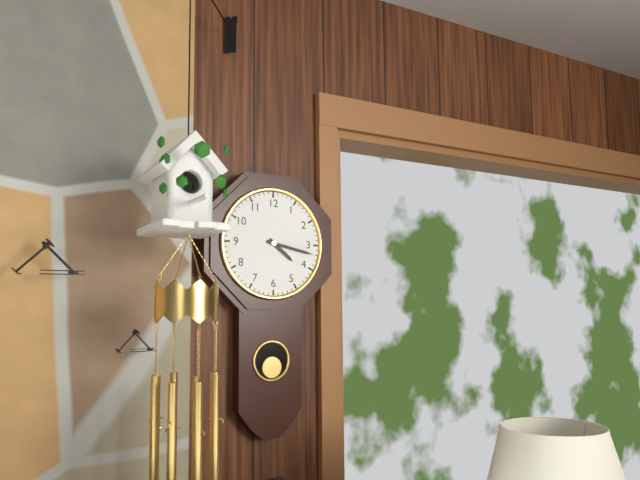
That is h=4 m=17
